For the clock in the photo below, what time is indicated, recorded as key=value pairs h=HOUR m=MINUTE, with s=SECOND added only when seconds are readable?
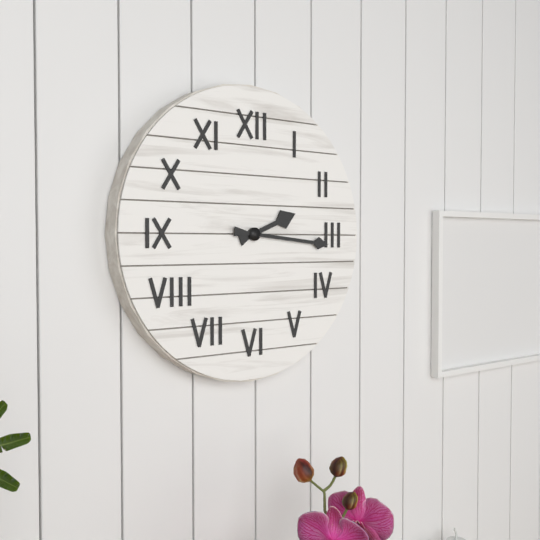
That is h=2 m=16
